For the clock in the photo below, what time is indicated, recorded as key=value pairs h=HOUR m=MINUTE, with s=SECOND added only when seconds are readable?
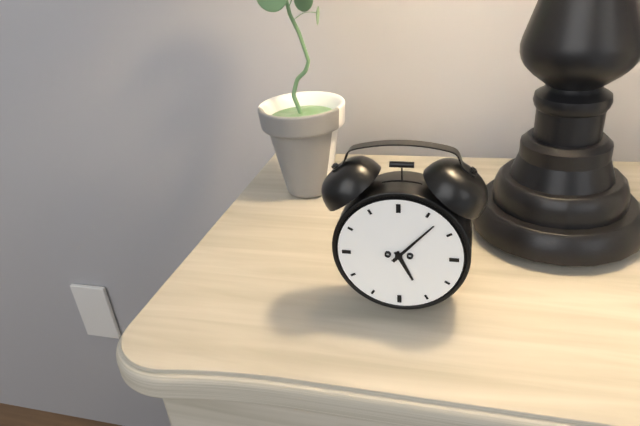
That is h=5 m=7
